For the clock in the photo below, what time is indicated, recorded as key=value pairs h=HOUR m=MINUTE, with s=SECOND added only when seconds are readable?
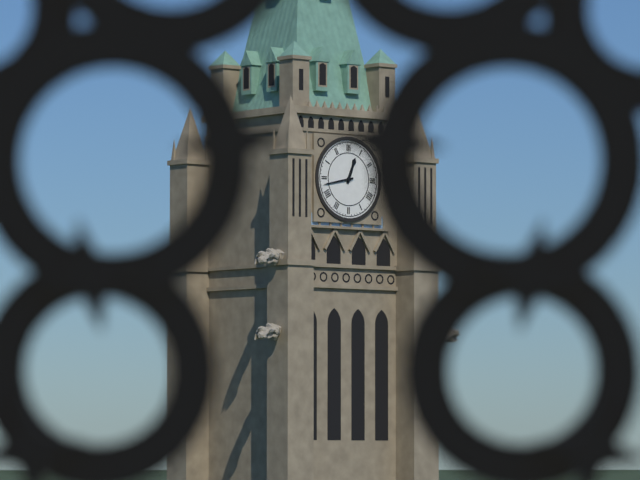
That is h=12 m=43
